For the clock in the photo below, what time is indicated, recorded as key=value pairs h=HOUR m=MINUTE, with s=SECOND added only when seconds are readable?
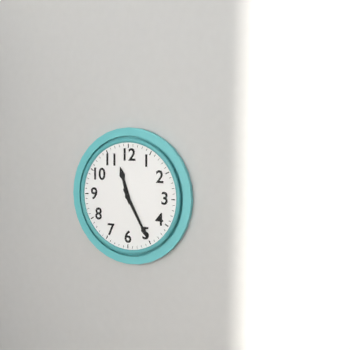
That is h=11 m=25
